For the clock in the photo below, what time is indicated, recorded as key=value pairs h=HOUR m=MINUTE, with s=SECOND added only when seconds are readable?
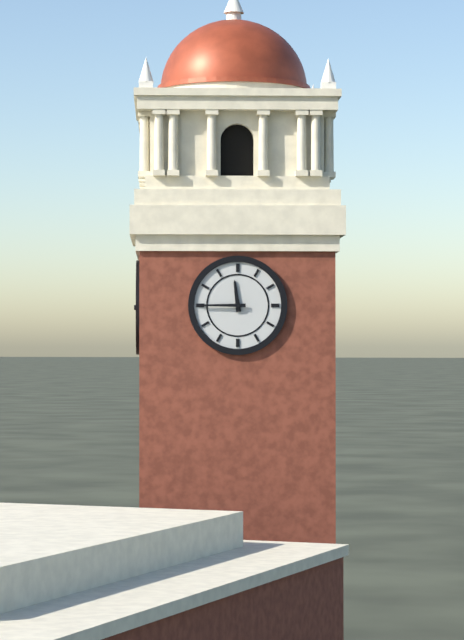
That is h=11 m=45
